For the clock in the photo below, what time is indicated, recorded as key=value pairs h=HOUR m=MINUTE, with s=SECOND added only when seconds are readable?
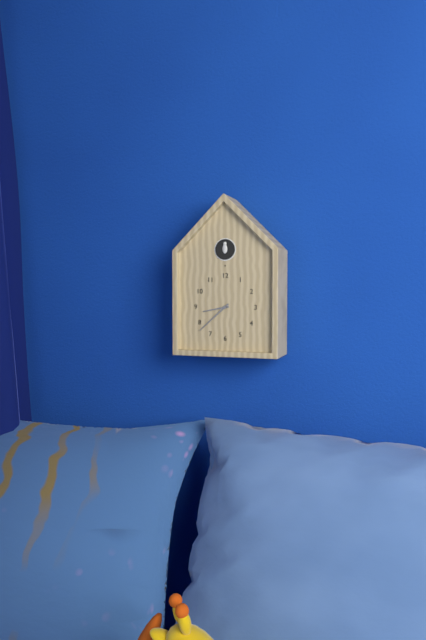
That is h=8 m=38
